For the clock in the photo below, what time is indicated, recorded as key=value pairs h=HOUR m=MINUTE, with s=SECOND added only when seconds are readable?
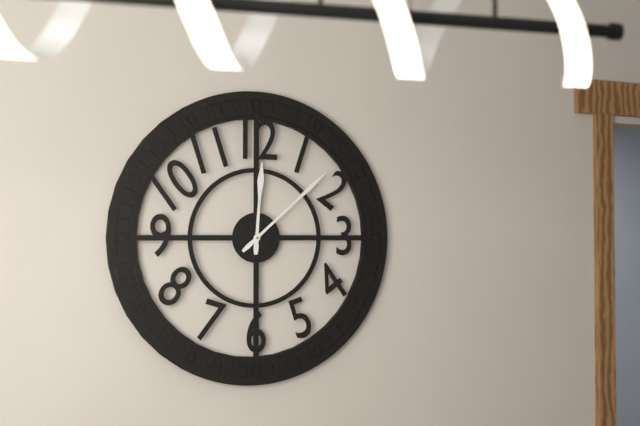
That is h=12 m=8
